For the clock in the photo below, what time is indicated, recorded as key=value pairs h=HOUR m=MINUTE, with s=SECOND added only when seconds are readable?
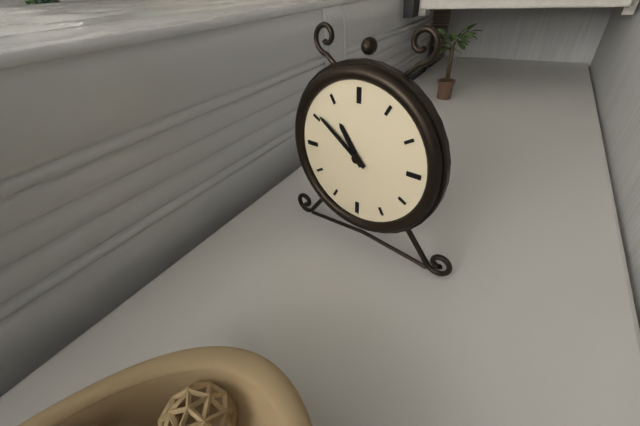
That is h=10 m=51
